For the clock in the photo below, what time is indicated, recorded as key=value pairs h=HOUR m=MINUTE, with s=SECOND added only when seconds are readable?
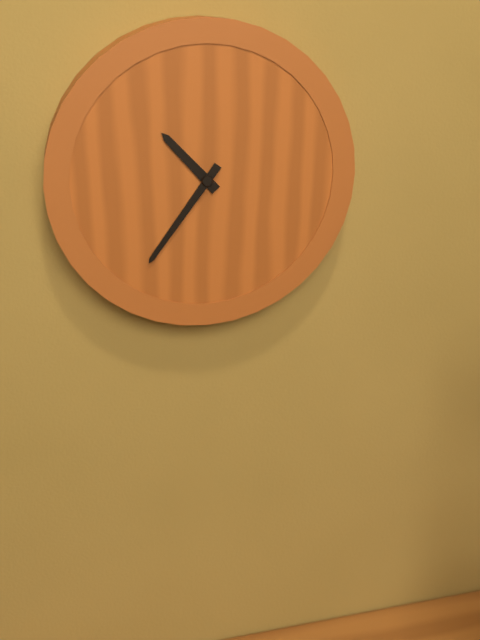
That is h=10 m=36
